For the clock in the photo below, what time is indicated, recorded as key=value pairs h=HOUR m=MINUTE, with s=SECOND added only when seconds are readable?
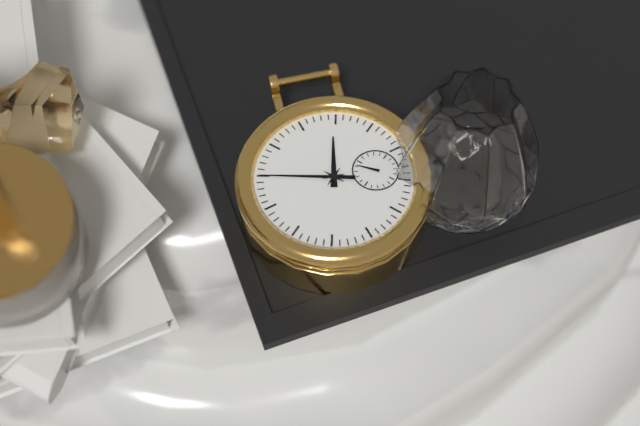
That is h=1 m=55
